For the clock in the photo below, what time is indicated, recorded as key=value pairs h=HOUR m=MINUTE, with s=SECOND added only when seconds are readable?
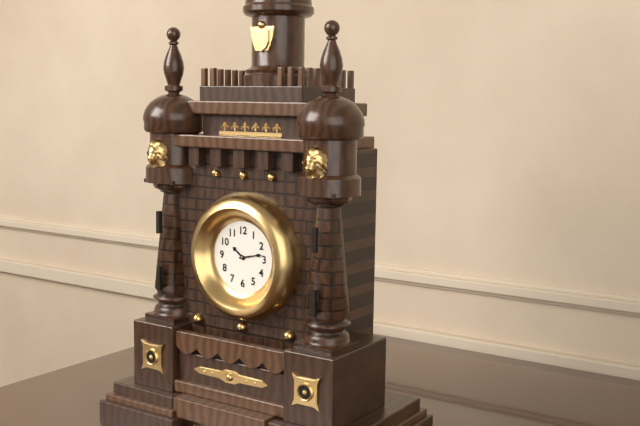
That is h=10 m=13
